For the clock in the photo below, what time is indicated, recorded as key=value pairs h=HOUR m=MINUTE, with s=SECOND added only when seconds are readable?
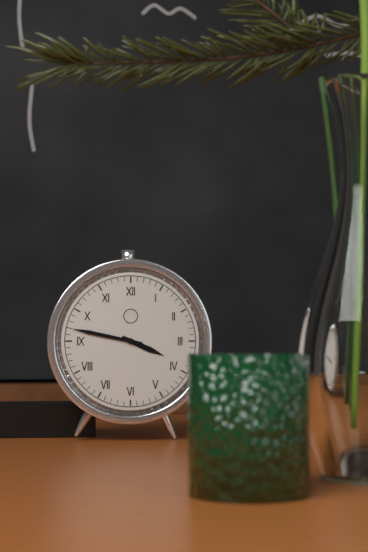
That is h=3 m=47
